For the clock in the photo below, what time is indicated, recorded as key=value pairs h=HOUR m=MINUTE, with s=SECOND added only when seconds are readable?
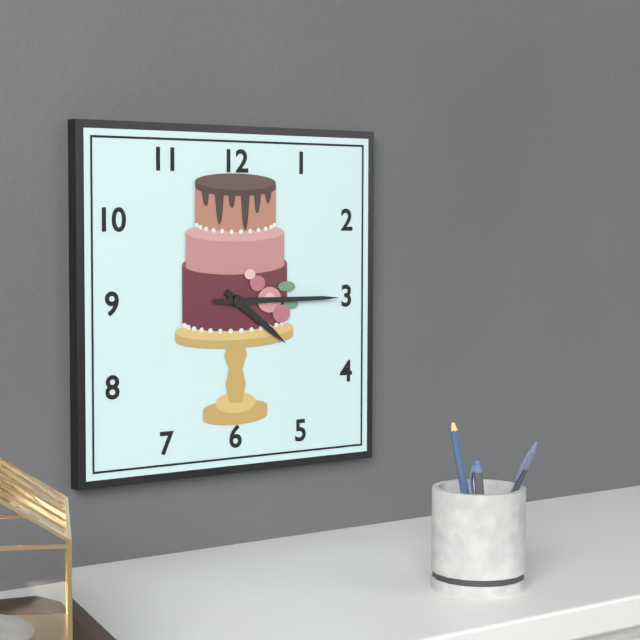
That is h=4 m=15
